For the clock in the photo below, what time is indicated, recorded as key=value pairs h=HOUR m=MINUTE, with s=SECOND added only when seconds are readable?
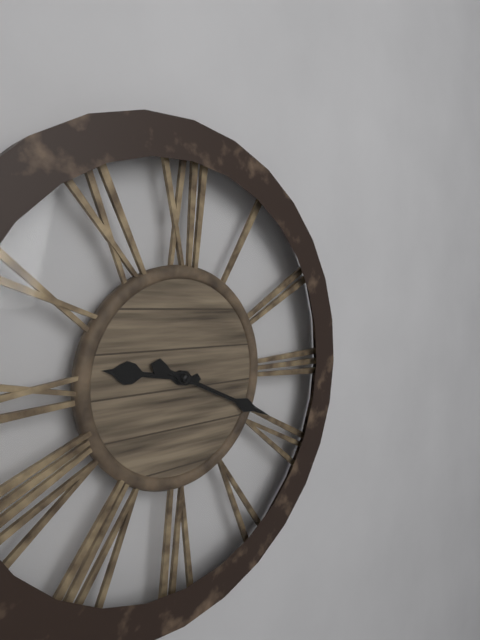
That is h=9 m=19
